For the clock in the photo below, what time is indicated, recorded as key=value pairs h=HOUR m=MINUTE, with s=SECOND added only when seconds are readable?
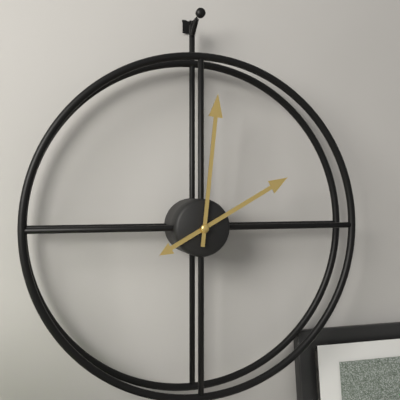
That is h=2 m=1
